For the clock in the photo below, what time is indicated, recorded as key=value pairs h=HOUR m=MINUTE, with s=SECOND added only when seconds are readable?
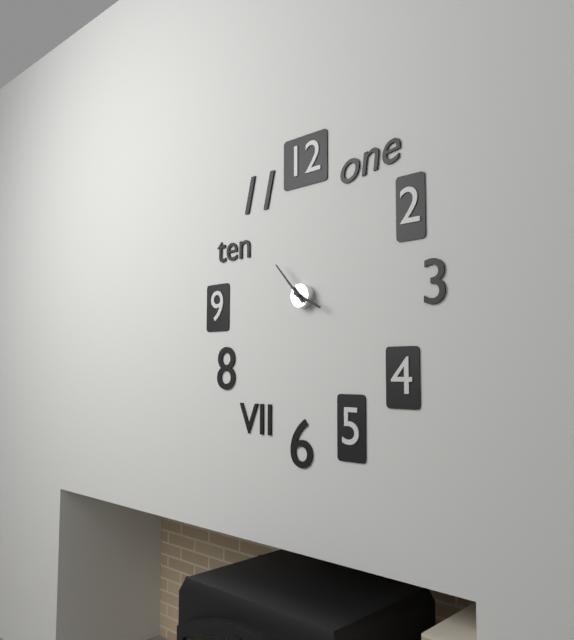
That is h=3 m=53
